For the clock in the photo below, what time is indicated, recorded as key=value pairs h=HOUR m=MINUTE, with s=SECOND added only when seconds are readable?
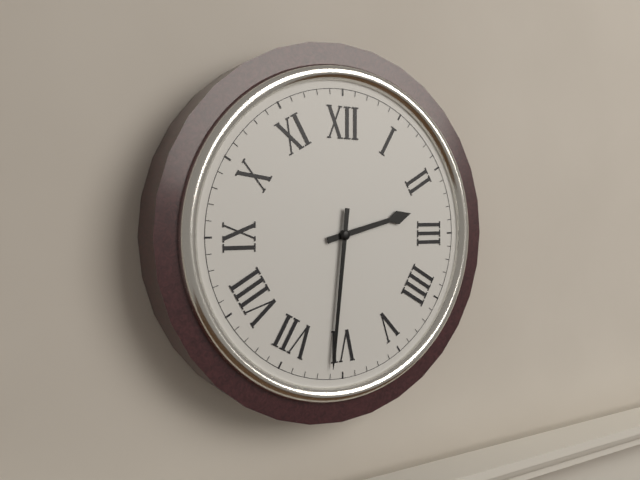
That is h=2 m=31
